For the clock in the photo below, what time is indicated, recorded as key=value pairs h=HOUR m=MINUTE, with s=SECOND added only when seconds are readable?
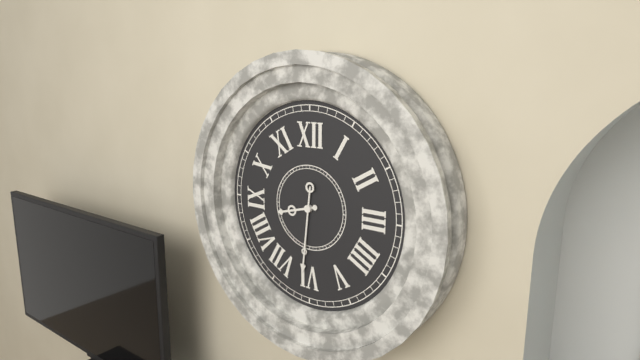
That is h=8 m=31
